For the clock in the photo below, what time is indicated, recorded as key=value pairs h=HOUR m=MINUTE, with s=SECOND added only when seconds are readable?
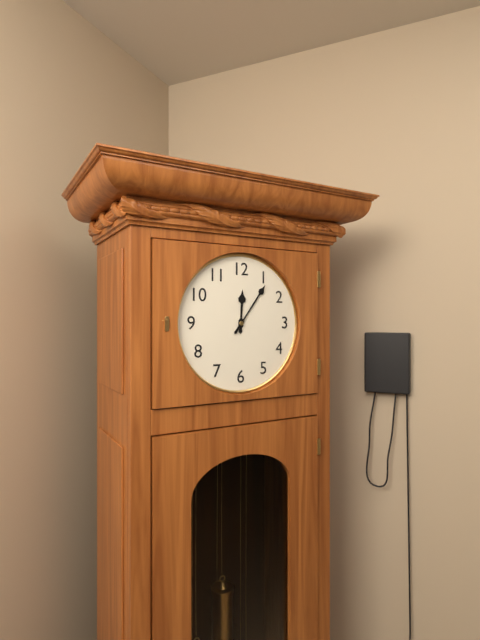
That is h=12 m=6
